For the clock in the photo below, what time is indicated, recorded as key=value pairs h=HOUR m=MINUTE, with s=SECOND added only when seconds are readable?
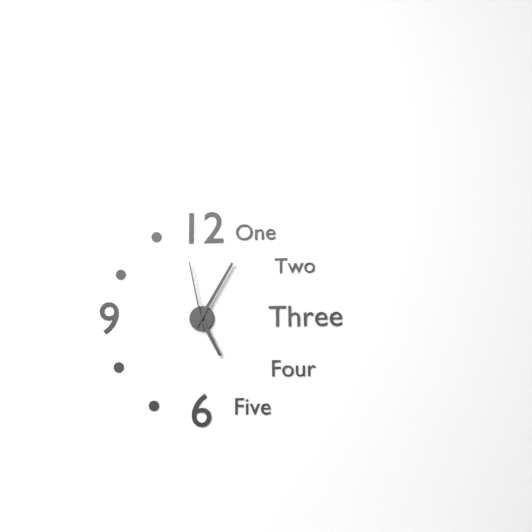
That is h=5 m=5 s=58
